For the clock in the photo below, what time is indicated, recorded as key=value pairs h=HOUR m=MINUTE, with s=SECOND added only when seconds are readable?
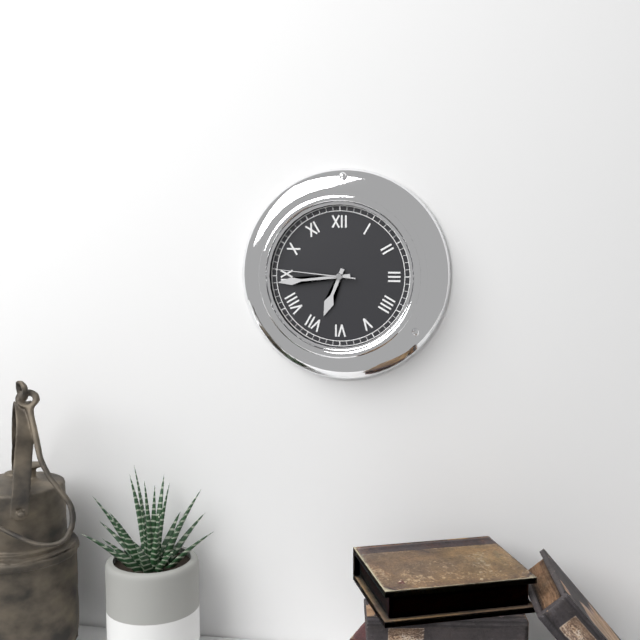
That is h=6 m=44 s=46
